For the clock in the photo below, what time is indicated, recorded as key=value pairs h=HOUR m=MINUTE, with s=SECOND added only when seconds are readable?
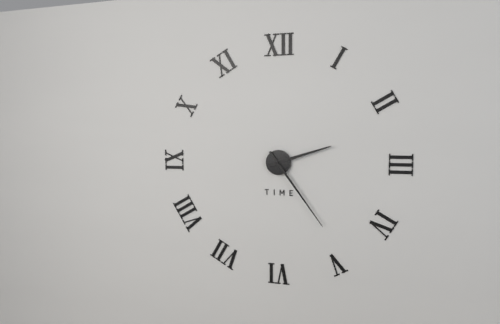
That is h=2 m=24
